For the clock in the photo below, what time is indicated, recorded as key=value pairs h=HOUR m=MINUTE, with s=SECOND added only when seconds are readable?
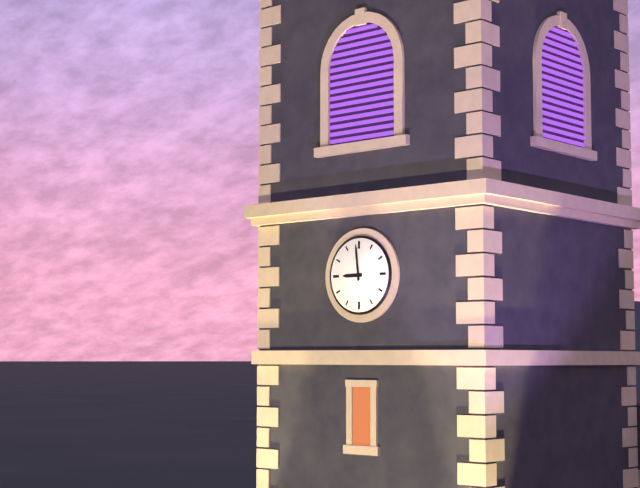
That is h=8 m=59
